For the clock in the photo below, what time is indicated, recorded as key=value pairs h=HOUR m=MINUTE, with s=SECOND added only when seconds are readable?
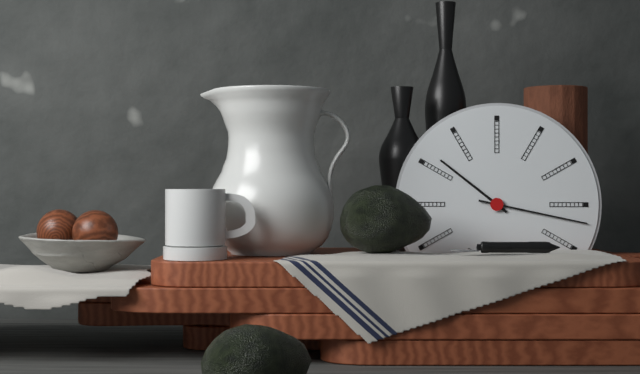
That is h=10 m=17
